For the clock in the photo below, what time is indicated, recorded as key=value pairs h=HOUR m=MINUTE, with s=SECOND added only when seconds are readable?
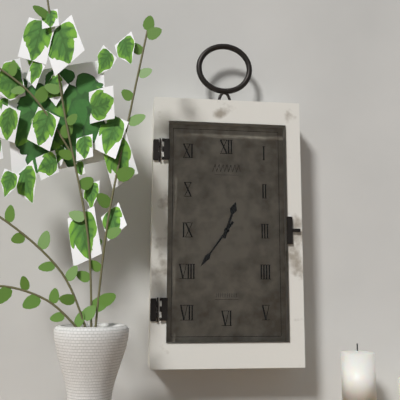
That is h=12 m=36
